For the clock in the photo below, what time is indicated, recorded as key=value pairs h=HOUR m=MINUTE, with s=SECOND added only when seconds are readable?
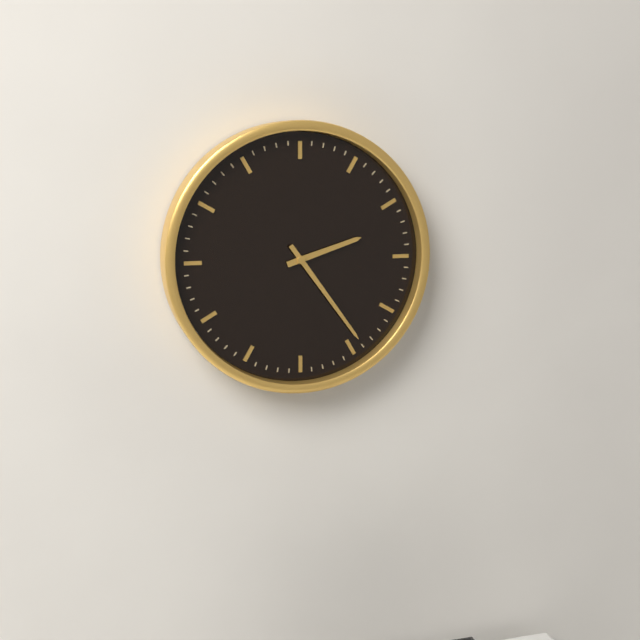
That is h=2 m=24
